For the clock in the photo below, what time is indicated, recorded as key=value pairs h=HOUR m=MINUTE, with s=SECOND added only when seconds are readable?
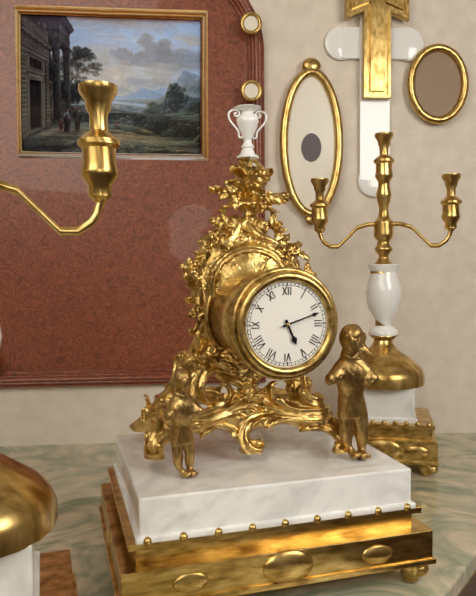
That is h=5 m=12
